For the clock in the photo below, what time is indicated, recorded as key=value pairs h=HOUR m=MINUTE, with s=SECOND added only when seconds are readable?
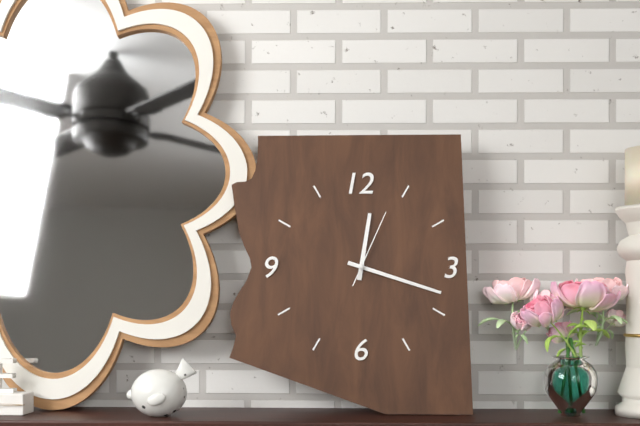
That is h=12 m=18 s=4
